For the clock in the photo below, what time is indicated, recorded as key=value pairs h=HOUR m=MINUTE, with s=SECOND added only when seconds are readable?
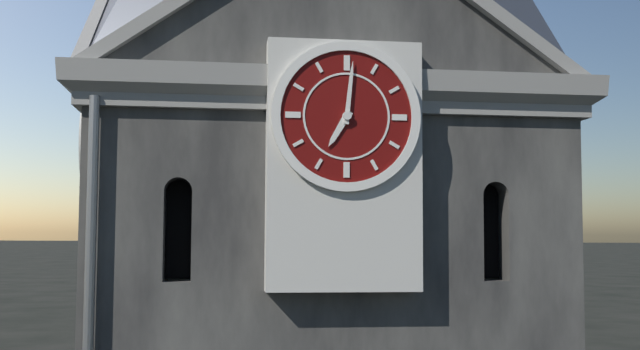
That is h=7 m=1
